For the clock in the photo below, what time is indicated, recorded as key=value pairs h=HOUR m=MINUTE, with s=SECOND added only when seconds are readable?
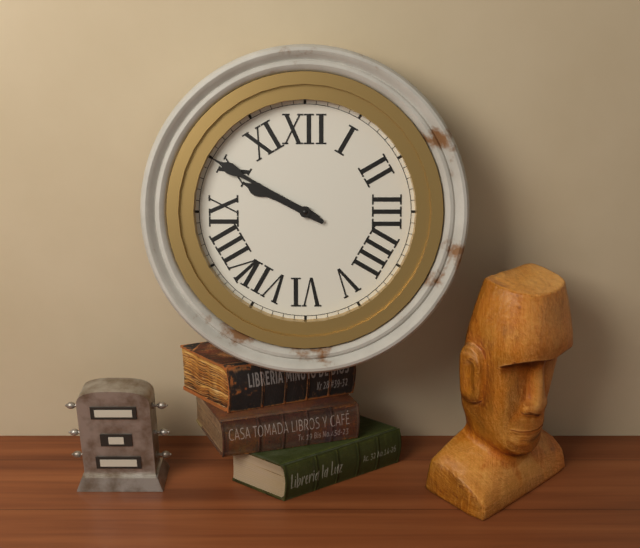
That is h=9 m=50
